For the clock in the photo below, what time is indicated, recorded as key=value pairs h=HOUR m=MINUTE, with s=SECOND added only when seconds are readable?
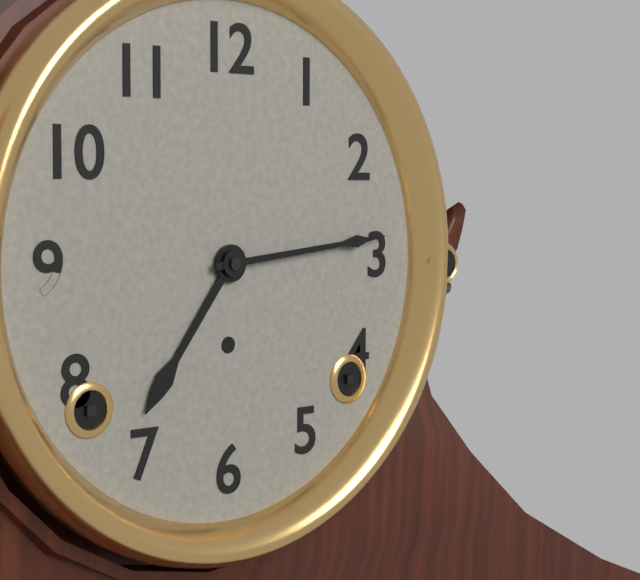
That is h=7 m=14
